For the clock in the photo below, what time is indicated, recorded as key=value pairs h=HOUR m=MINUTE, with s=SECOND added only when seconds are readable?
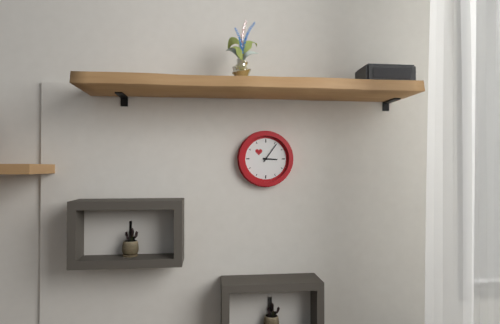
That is h=3 m=6
